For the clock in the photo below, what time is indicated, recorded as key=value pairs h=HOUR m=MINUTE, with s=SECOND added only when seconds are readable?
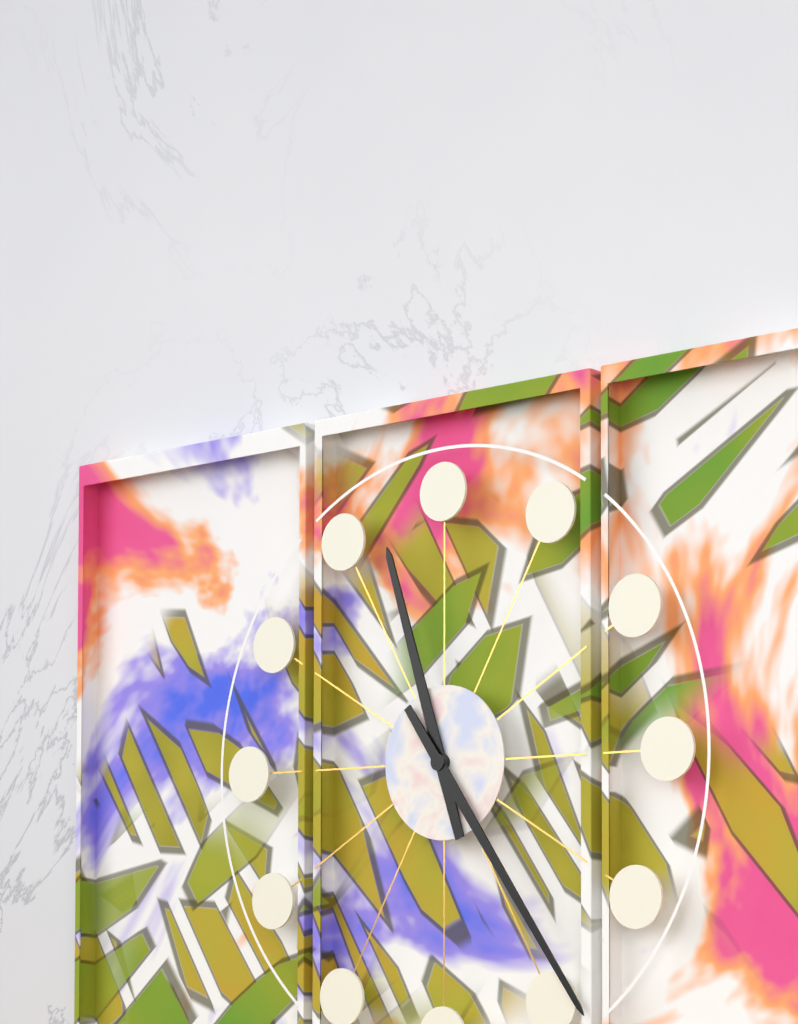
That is h=11 m=24
